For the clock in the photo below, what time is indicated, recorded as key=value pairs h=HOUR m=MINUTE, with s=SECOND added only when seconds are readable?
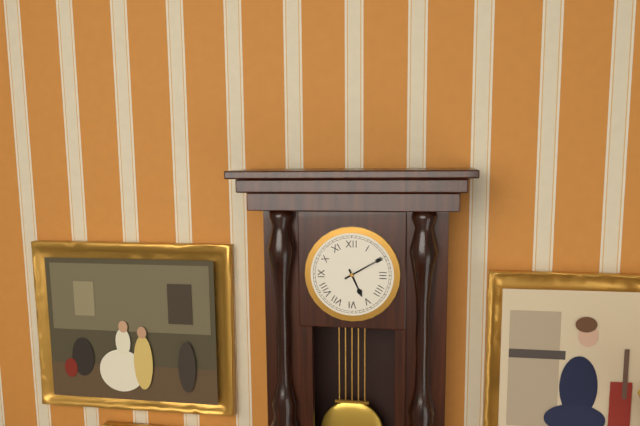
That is h=5 m=10
